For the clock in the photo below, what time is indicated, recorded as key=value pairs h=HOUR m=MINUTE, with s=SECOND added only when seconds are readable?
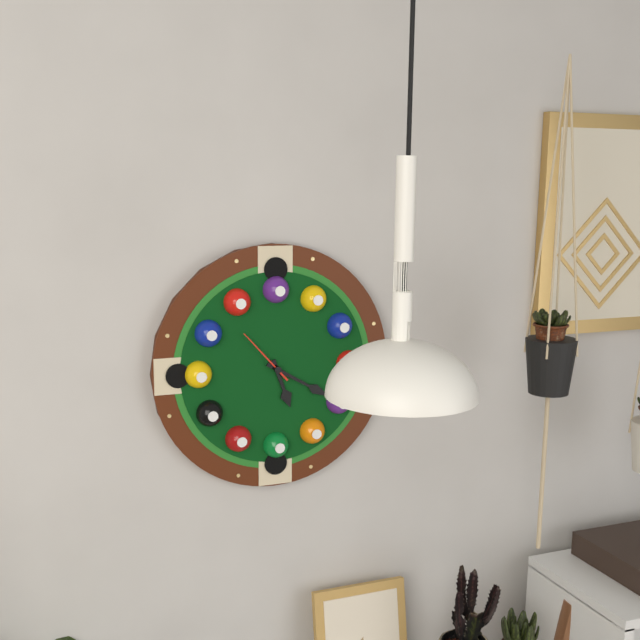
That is h=5 m=20 s=53
